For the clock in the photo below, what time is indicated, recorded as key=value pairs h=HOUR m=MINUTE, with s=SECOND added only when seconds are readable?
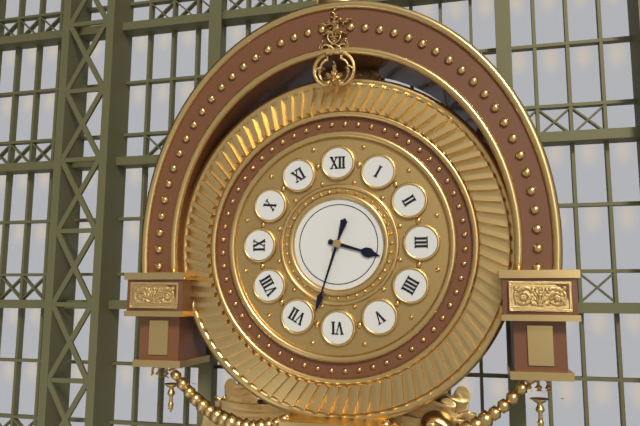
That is h=3 m=33
